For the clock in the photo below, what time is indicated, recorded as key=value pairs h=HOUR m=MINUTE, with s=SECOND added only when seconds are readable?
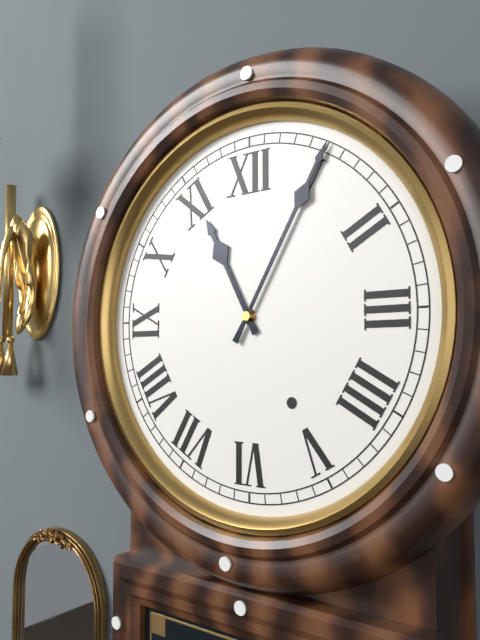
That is h=11 m=5
